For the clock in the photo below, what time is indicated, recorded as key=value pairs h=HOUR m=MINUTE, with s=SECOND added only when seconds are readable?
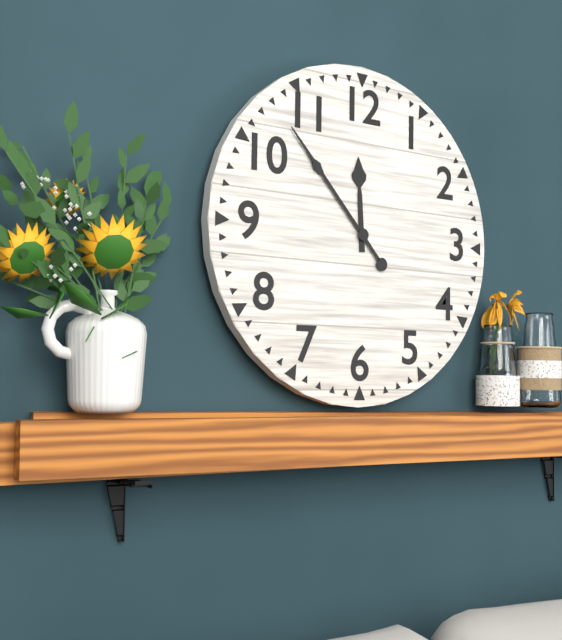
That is h=11 m=53
